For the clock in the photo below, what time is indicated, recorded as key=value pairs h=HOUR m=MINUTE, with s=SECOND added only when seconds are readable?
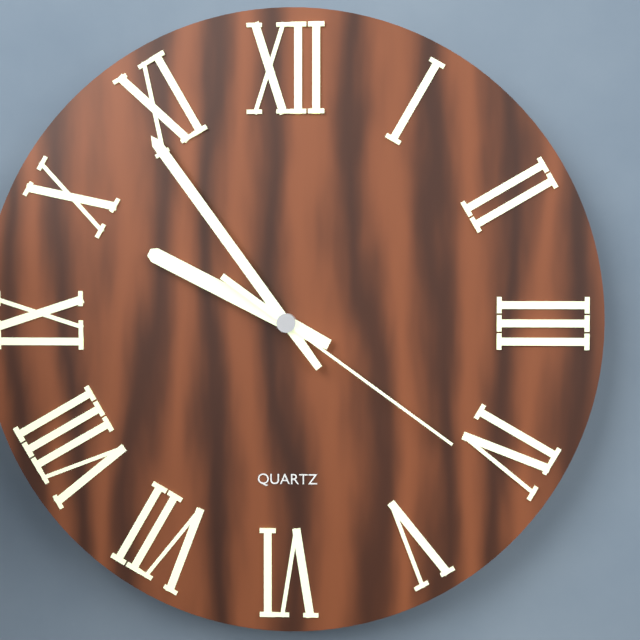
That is h=9 m=54 s=21
